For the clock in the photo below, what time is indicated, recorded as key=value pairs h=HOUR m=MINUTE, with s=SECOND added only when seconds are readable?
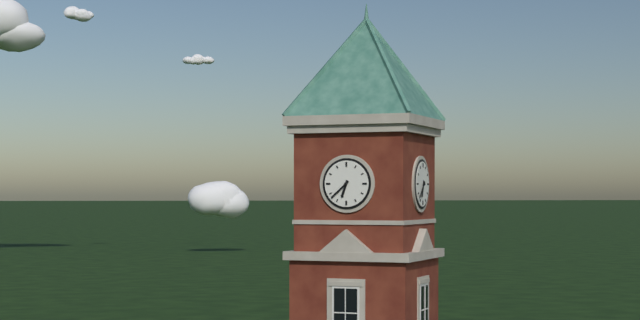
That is h=6 m=38
